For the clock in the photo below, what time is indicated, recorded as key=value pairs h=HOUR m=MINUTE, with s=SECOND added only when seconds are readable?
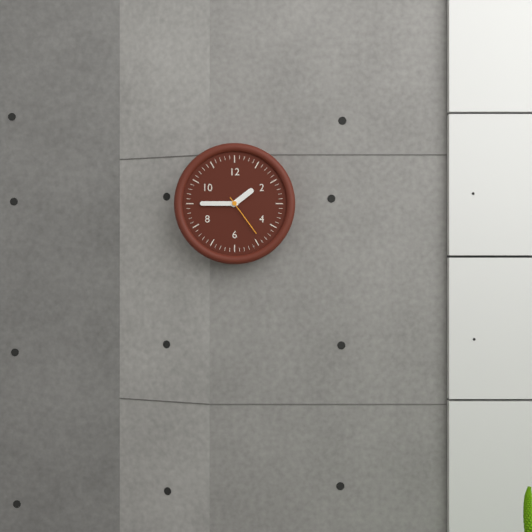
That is h=1 m=45
